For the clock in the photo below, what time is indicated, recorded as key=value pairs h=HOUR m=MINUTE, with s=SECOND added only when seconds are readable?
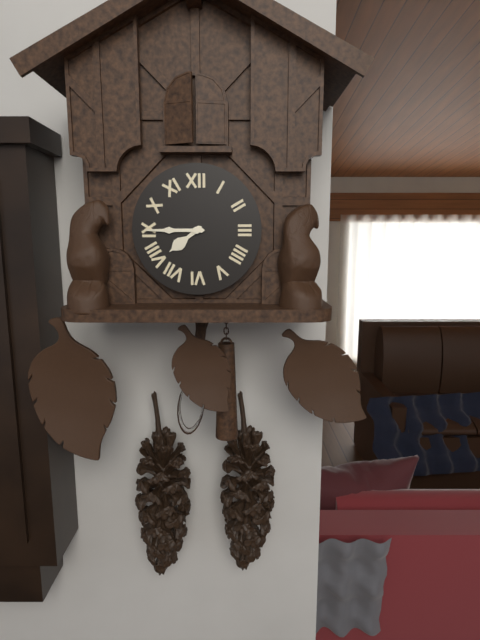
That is h=7 m=45
